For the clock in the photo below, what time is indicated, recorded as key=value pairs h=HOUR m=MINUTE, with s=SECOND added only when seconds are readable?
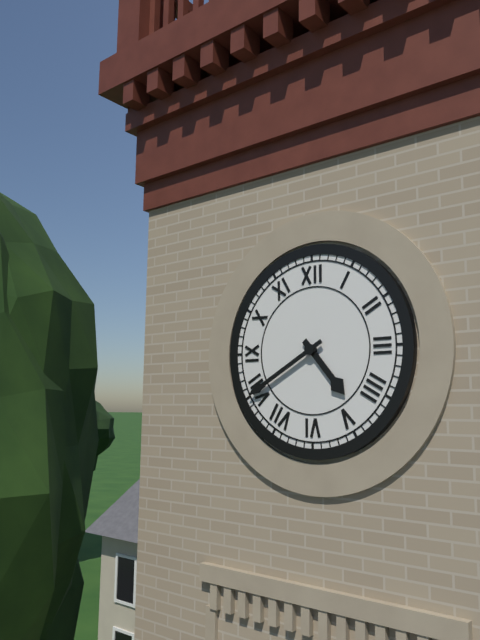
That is h=4 m=40
